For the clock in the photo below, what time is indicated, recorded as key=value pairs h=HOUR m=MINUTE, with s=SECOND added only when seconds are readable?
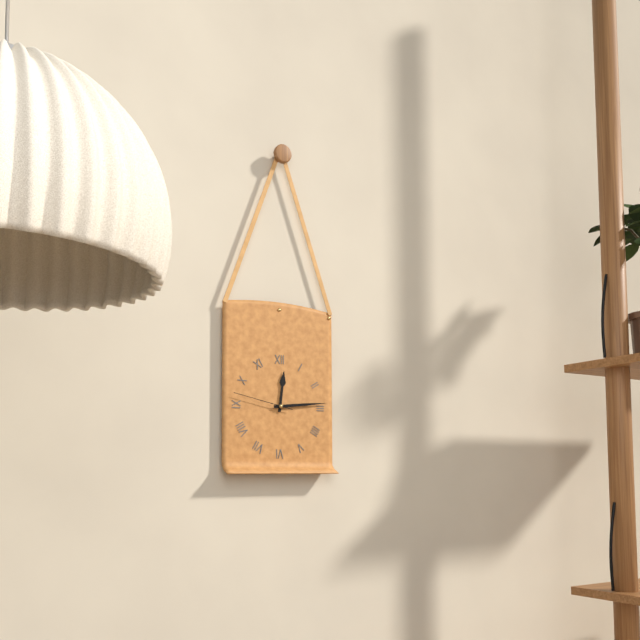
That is h=12 m=14 s=47
